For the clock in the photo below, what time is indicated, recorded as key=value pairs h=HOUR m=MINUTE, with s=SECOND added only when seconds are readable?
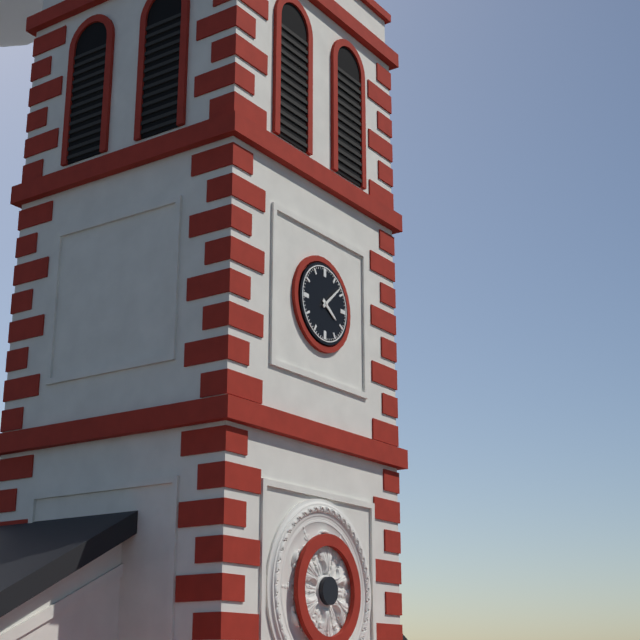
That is h=4 m=8
